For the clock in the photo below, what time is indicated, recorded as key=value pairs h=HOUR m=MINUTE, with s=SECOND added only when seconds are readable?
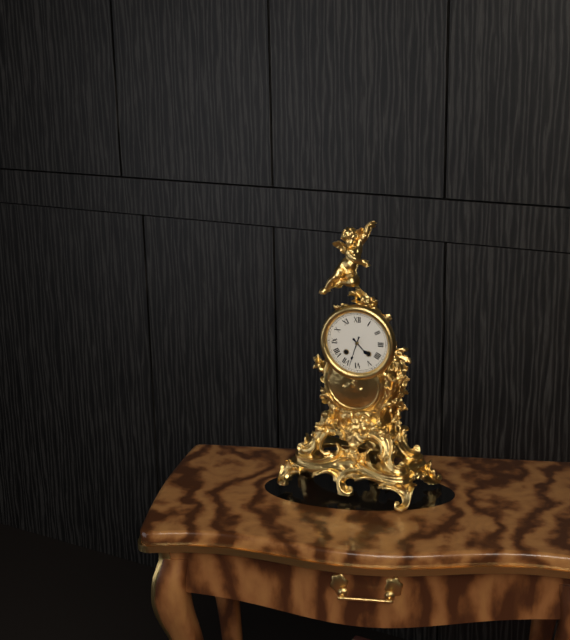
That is h=4 m=33
